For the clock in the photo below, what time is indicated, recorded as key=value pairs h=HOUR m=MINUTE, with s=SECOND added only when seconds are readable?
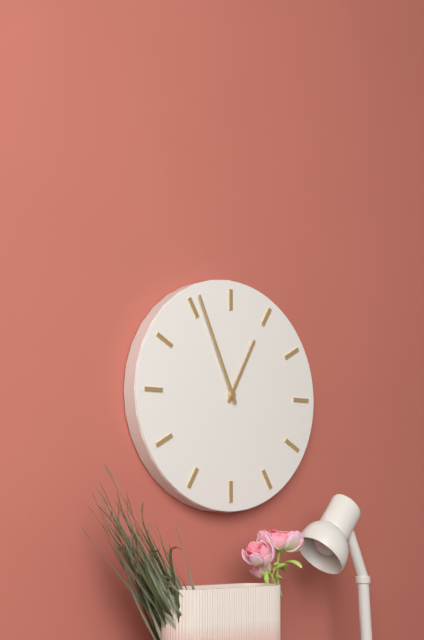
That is h=12 m=56
